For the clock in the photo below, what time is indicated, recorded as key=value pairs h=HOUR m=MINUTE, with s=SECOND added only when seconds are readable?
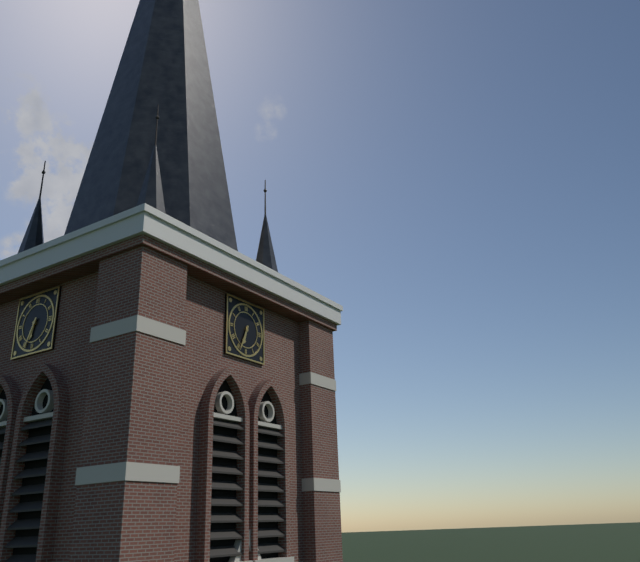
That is h=6 m=34
